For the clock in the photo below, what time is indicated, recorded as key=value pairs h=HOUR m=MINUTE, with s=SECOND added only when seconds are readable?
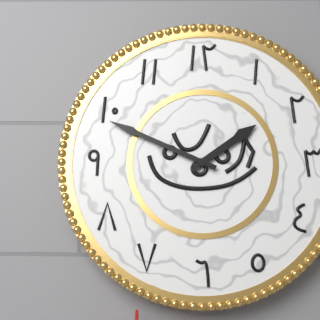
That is h=1 m=49
